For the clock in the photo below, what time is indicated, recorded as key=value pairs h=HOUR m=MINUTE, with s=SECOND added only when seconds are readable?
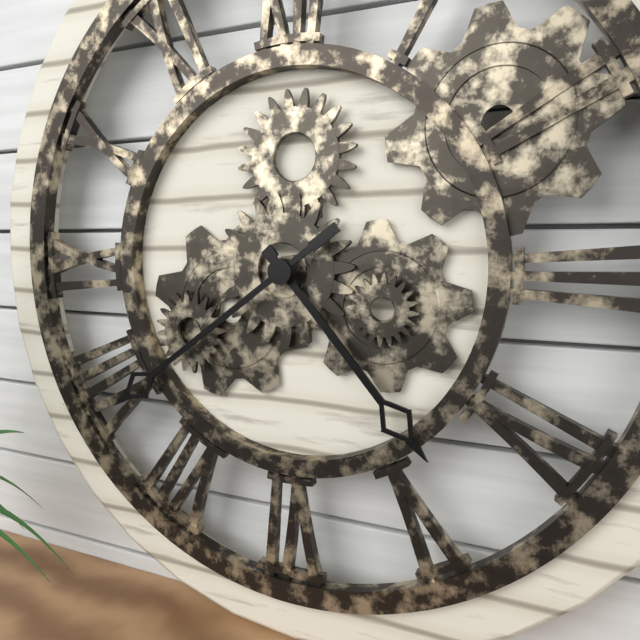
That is h=4 m=39
